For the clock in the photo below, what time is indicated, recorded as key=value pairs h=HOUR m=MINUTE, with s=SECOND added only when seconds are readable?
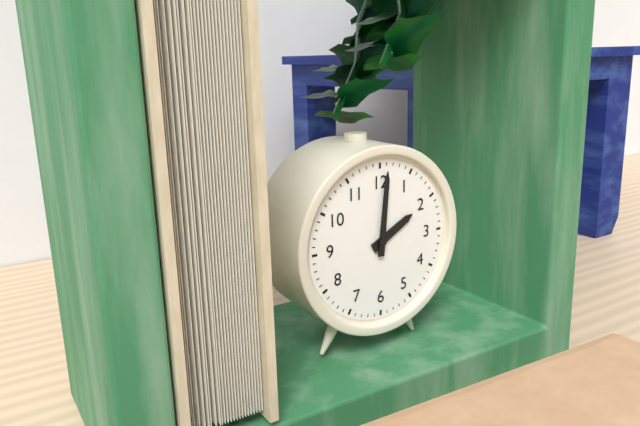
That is h=2 m=1
